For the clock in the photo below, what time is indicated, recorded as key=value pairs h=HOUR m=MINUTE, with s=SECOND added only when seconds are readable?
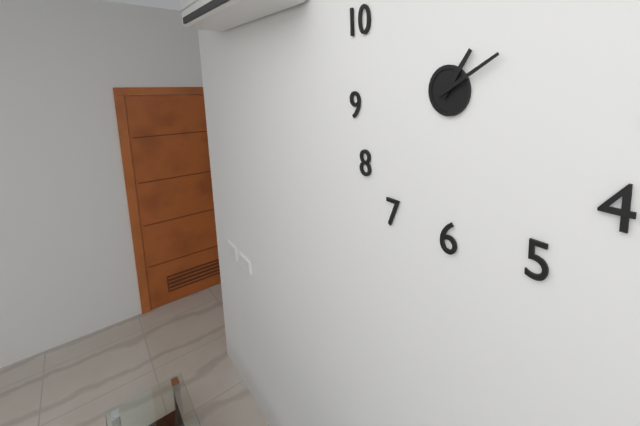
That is h=1 m=10
